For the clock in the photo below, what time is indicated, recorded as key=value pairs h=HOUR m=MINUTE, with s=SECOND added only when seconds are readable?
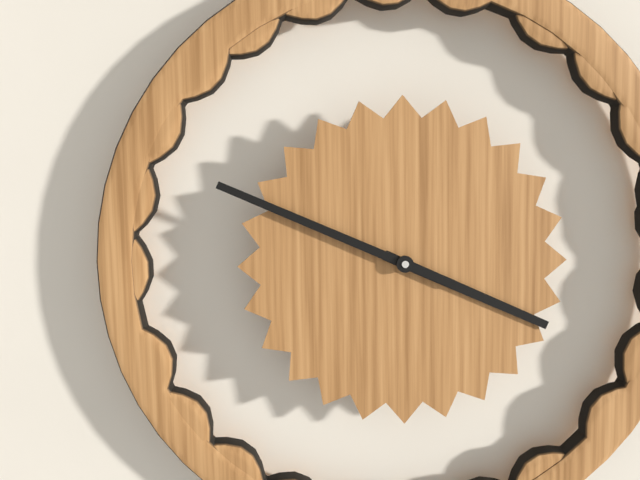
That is h=3 m=49
